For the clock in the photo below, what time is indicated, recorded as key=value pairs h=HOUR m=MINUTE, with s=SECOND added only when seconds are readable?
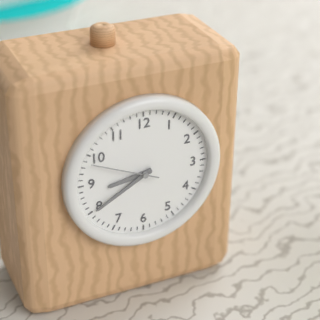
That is h=8 m=40 s=49
